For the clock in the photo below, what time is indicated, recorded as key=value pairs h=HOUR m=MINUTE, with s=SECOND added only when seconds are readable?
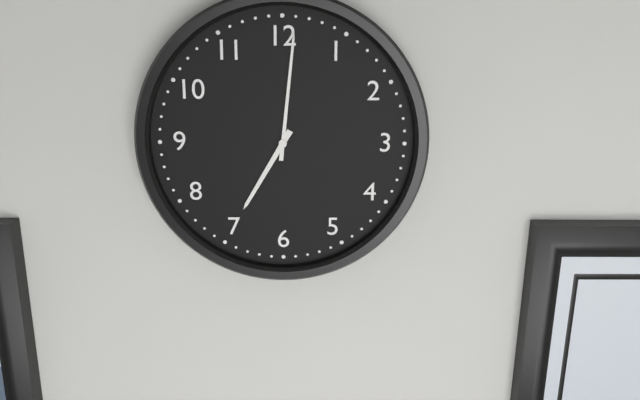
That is h=7 m=1
